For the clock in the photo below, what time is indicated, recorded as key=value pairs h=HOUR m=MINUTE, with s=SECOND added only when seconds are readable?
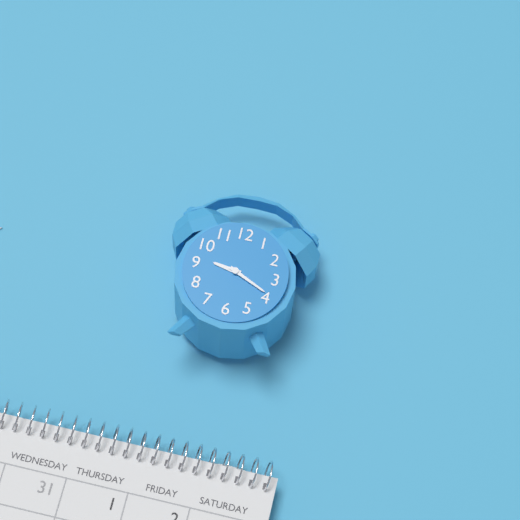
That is h=9 m=19
